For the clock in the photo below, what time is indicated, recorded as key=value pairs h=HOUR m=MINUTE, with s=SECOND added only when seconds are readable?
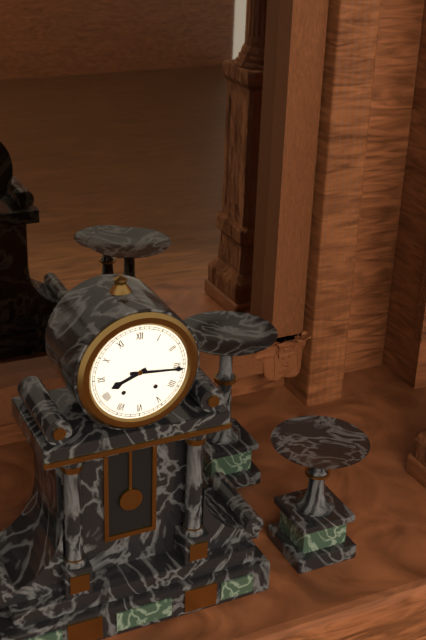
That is h=8 m=16
